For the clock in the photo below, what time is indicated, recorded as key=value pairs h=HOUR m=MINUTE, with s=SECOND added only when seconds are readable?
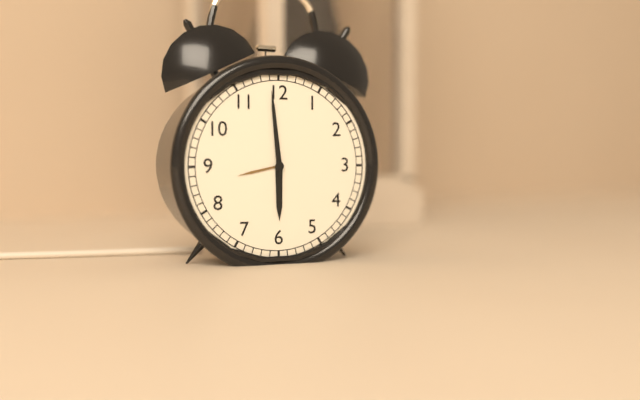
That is h=5 m=59
